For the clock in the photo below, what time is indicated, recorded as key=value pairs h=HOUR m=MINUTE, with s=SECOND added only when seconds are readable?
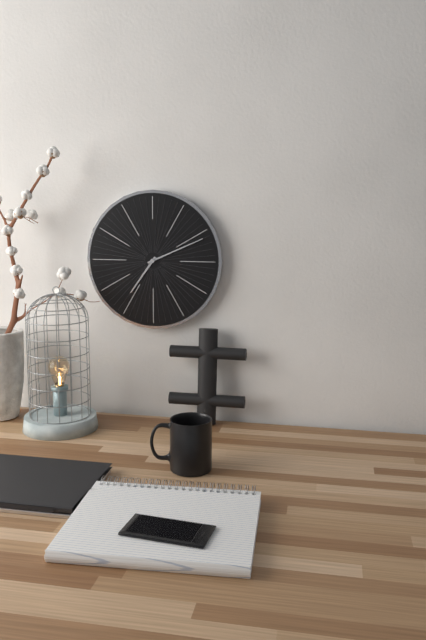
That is h=7 m=11
